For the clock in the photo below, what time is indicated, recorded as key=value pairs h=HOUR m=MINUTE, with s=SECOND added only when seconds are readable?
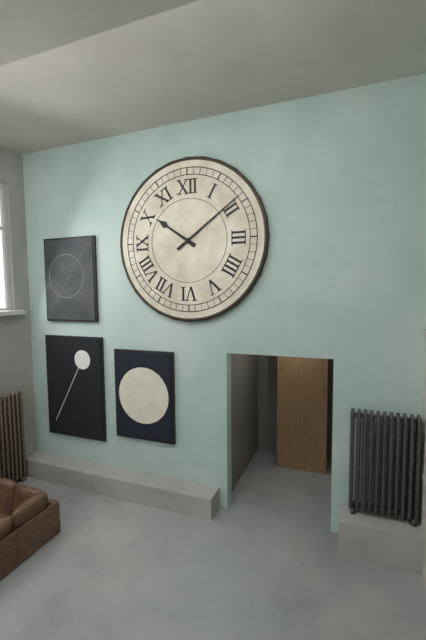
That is h=10 m=9
